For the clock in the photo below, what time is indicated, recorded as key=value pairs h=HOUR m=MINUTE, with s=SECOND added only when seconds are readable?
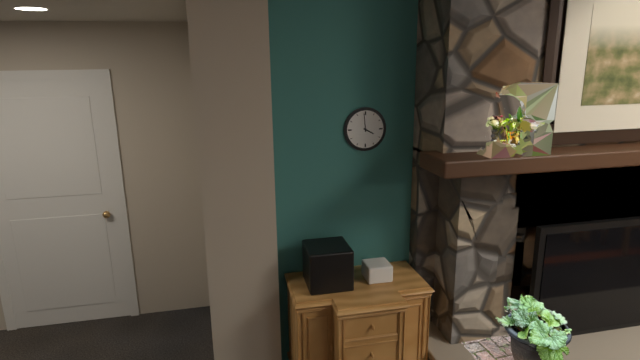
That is h=3 m=59
